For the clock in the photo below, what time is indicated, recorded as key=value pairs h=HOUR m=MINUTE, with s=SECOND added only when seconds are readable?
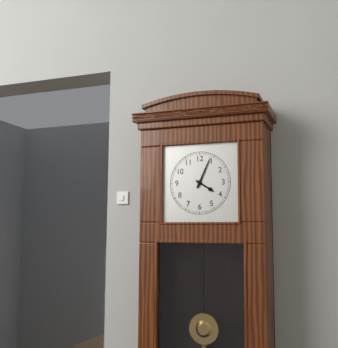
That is h=4 m=4
